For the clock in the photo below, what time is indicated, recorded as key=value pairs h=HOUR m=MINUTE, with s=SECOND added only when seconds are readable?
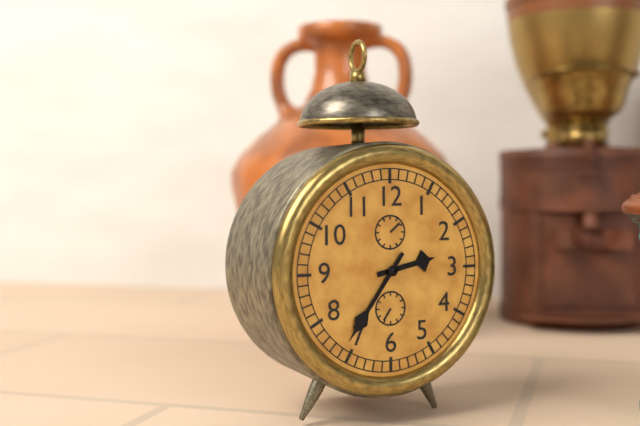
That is h=2 m=36
